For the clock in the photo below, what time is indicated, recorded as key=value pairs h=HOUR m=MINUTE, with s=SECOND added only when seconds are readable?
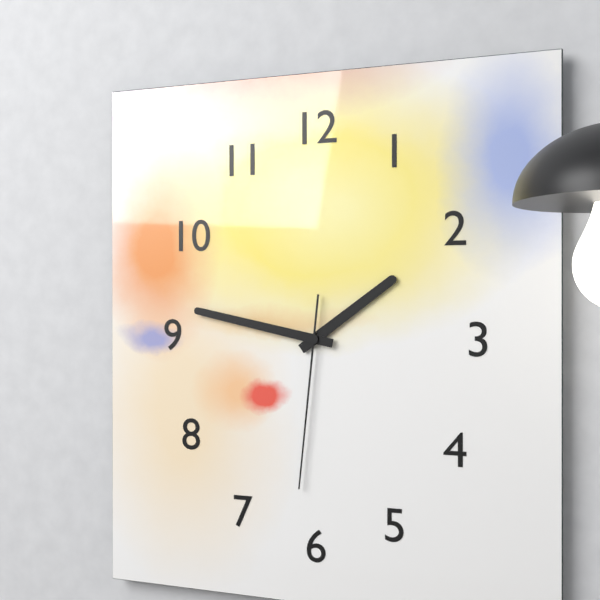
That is h=1 m=47 s=31
